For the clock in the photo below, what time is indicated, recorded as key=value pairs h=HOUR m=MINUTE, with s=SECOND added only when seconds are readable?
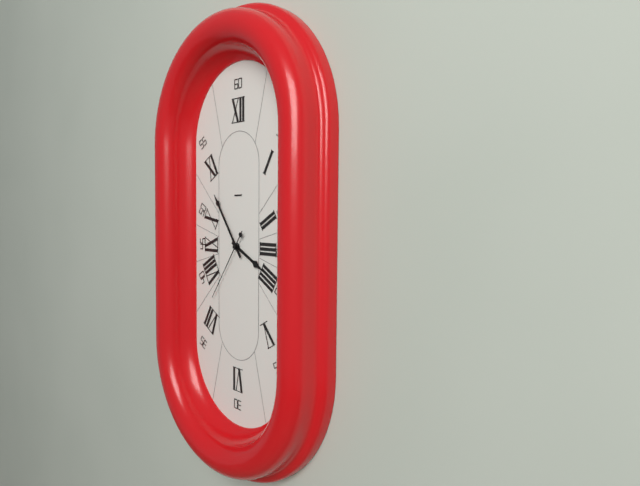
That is h=3 m=54 s=36
